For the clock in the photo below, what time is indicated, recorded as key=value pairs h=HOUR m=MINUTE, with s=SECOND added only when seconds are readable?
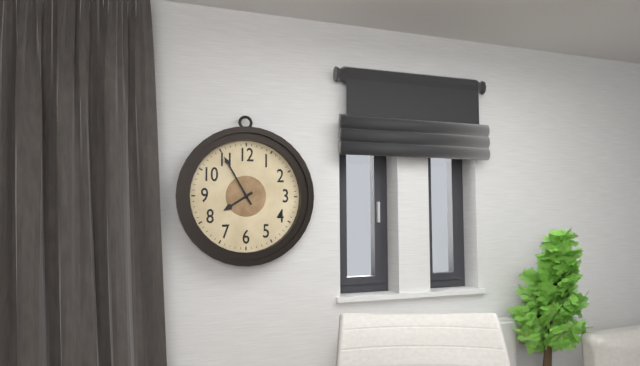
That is h=7 m=55
